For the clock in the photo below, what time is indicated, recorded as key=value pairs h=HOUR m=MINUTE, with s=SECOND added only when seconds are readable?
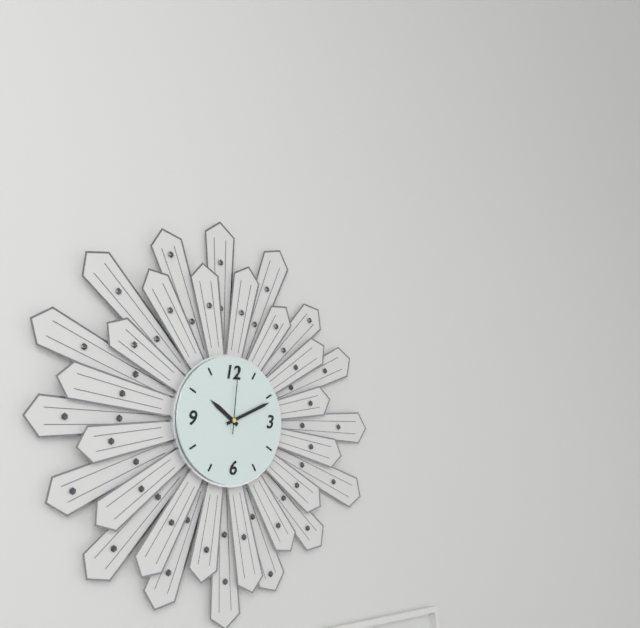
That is h=10 m=11 s=1
